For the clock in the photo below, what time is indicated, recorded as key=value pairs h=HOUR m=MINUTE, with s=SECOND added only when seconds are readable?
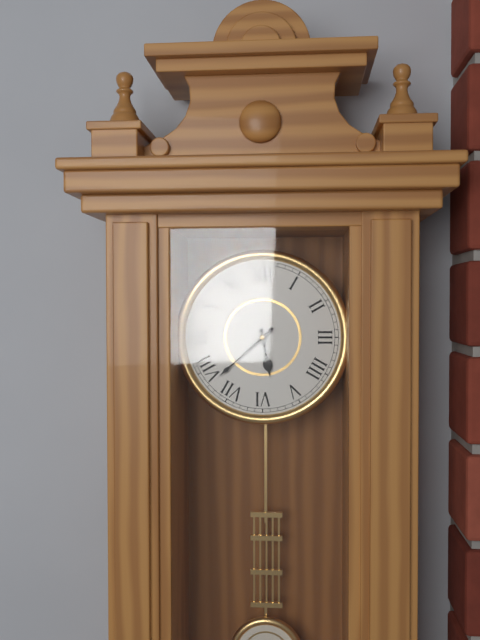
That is h=5 m=38
